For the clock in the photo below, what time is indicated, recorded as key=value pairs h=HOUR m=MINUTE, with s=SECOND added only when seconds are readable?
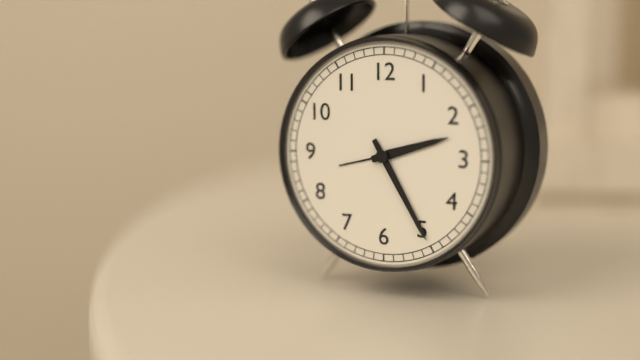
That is h=2 m=25
